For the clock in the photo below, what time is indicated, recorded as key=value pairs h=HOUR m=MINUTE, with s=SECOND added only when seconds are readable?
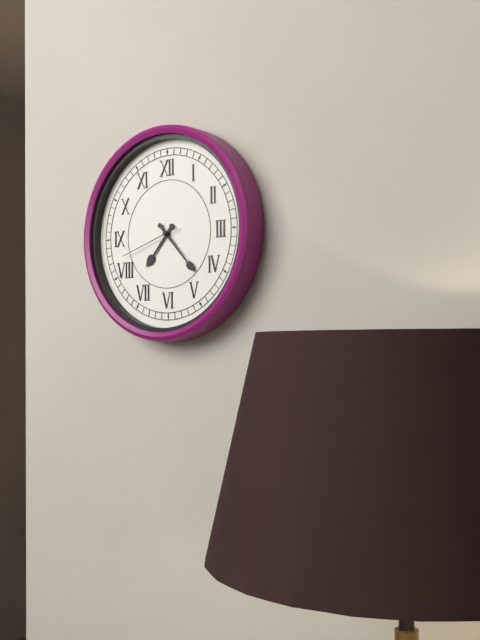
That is h=7 m=23 s=42
